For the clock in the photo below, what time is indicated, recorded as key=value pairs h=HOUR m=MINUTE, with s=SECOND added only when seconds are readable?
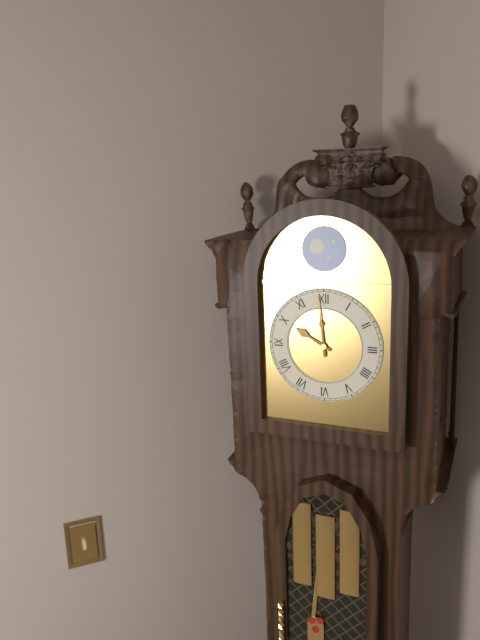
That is h=9 m=59
